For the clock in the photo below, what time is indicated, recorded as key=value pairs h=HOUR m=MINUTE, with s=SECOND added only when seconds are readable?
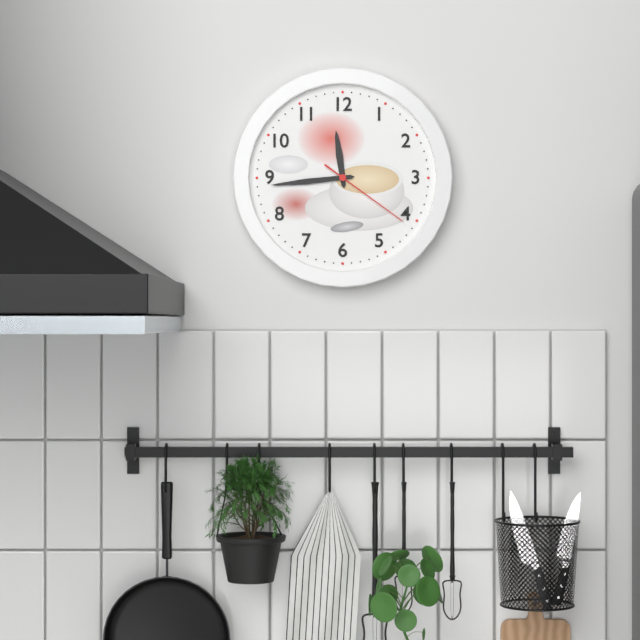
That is h=11 m=44 s=21
